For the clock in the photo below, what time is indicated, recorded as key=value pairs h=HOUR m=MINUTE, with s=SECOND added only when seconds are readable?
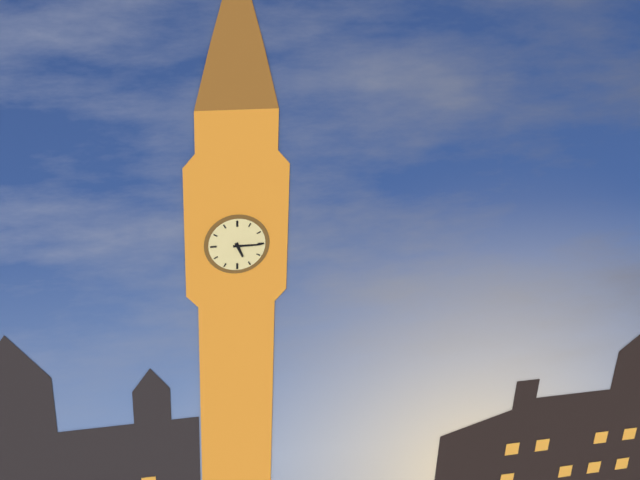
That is h=5 m=15
